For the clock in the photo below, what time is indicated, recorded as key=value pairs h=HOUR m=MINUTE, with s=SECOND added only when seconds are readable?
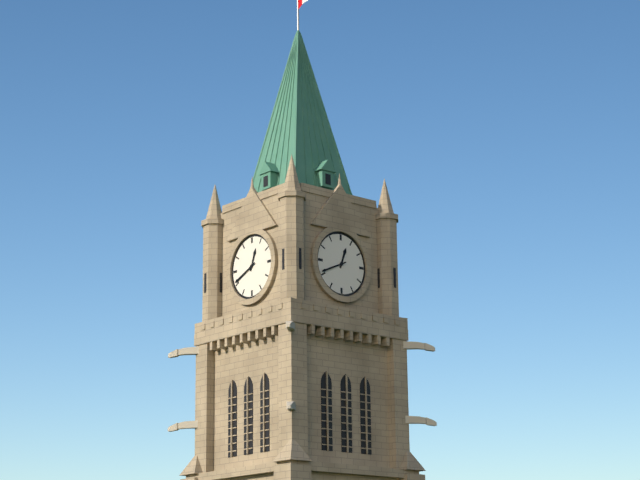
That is h=12 m=41
